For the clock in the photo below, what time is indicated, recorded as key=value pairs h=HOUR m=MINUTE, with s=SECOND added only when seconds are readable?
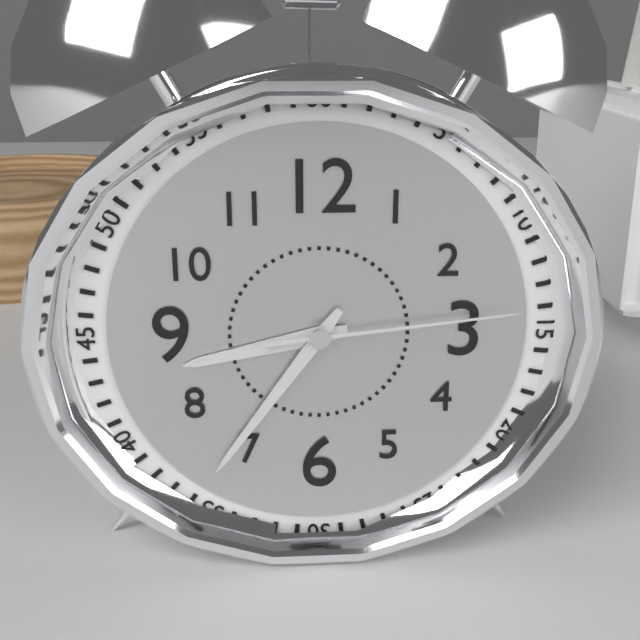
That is h=8 m=36 s=14
